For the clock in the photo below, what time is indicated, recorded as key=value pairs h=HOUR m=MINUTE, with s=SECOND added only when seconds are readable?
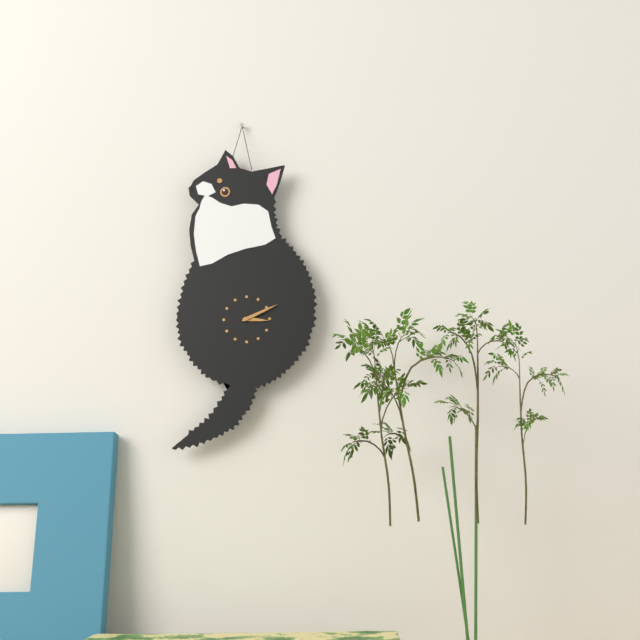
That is h=3 m=11
